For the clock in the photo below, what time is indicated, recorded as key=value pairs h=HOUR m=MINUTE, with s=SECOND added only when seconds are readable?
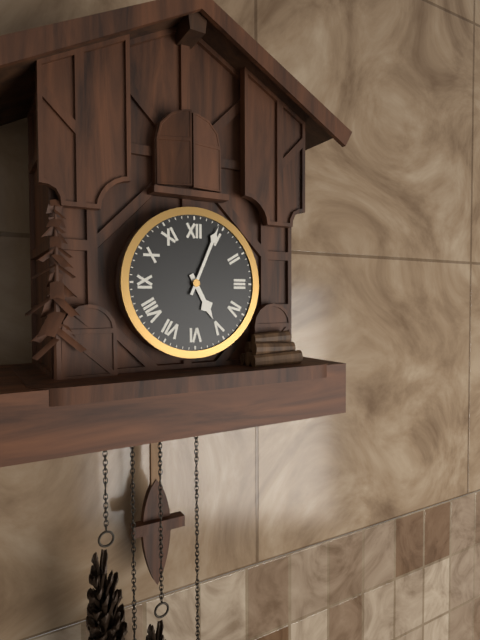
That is h=5 m=4
